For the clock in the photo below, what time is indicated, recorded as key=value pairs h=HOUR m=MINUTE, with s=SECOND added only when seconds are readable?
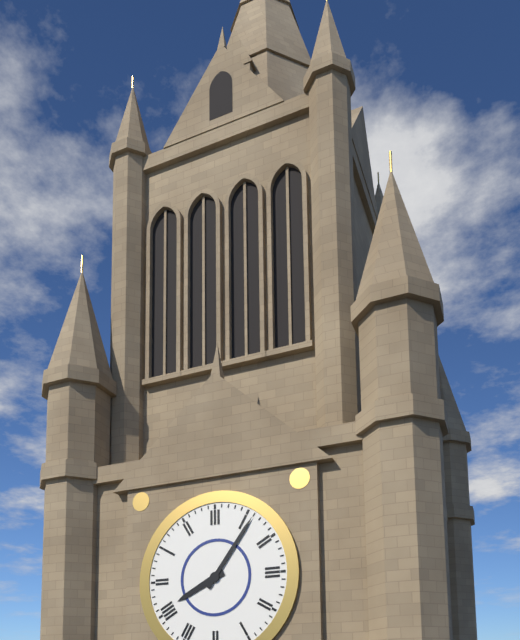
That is h=8 m=6
